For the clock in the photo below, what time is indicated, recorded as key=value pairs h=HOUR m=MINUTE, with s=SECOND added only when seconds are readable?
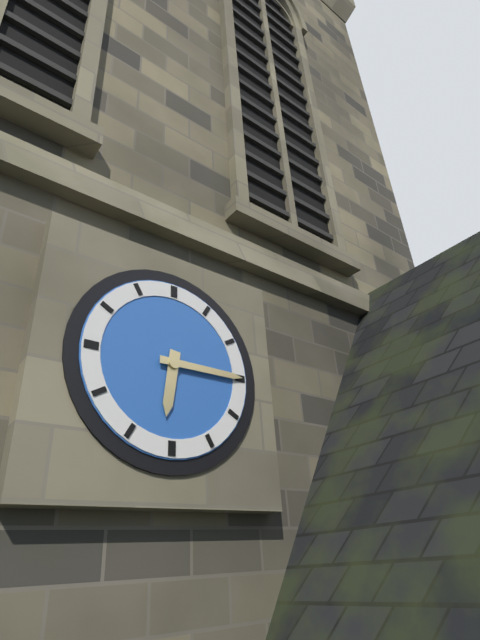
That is h=6 m=15
